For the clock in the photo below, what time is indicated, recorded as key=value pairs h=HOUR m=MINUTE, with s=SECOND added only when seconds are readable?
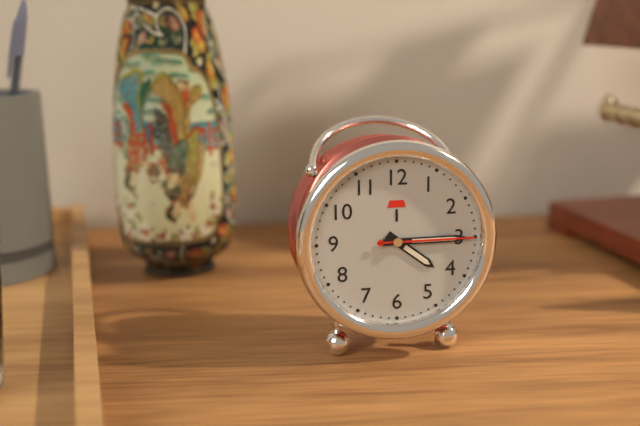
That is h=4 m=15 s=15
